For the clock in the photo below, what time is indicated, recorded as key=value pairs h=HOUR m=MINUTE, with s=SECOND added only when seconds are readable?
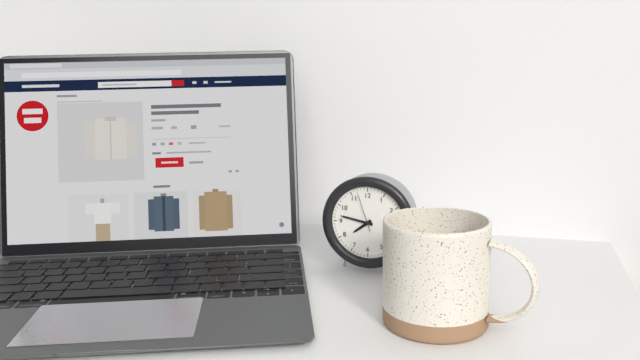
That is h=7 m=47
